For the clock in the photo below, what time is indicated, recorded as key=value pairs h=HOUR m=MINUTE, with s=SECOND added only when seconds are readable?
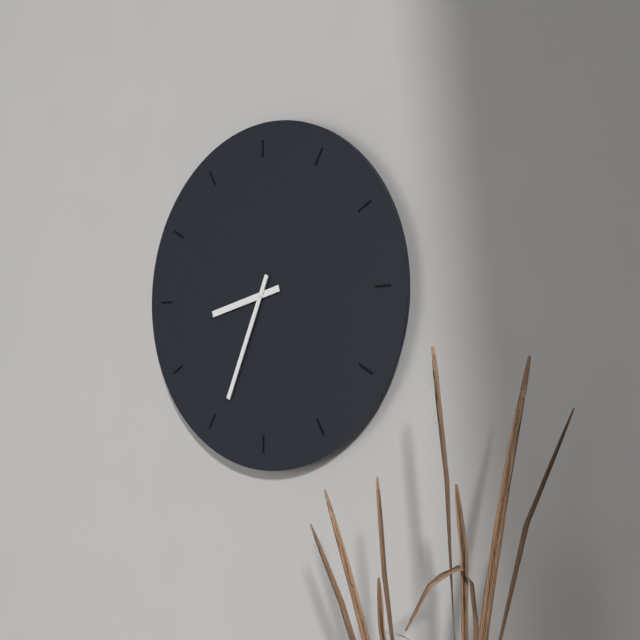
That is h=8 m=34
